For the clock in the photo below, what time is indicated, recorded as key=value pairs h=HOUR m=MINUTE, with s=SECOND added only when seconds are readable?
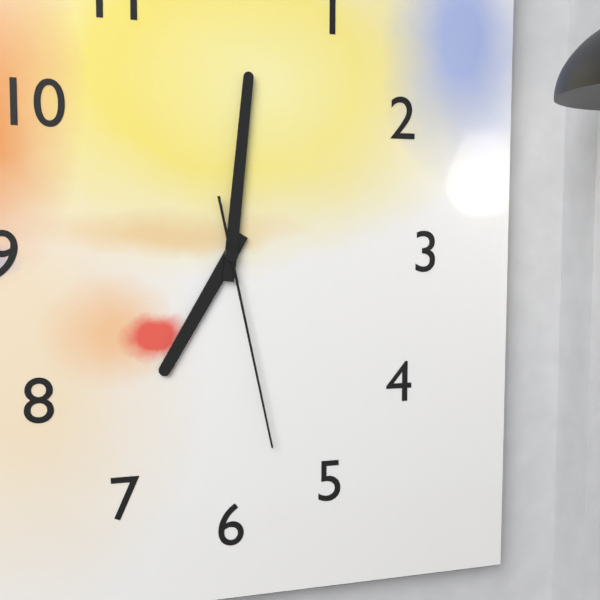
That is h=7 m=1 s=28
